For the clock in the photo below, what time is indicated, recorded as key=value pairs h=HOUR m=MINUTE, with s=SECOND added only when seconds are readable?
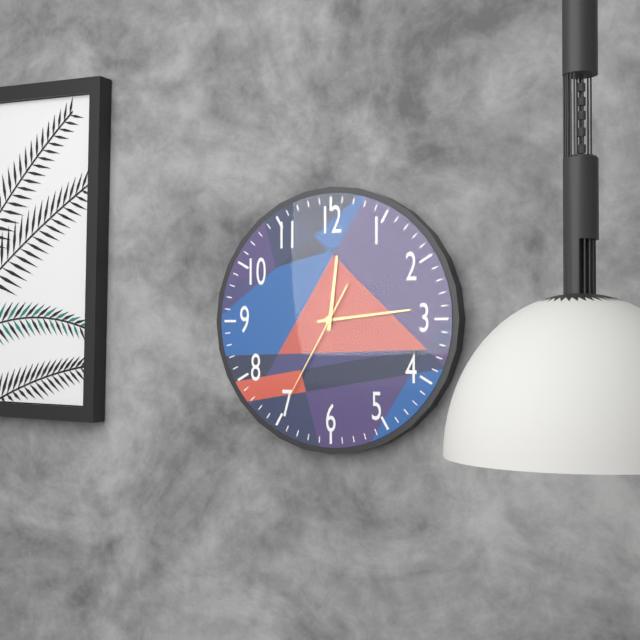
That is h=12 m=14 s=35
